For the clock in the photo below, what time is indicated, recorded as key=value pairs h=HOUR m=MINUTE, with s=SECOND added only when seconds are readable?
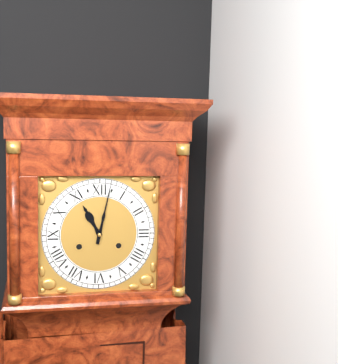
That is h=11 m=2
